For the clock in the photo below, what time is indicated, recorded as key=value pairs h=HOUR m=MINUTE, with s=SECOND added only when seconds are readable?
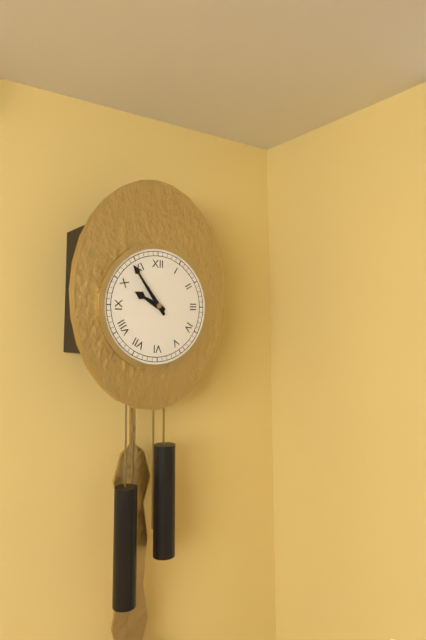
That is h=9 m=54
